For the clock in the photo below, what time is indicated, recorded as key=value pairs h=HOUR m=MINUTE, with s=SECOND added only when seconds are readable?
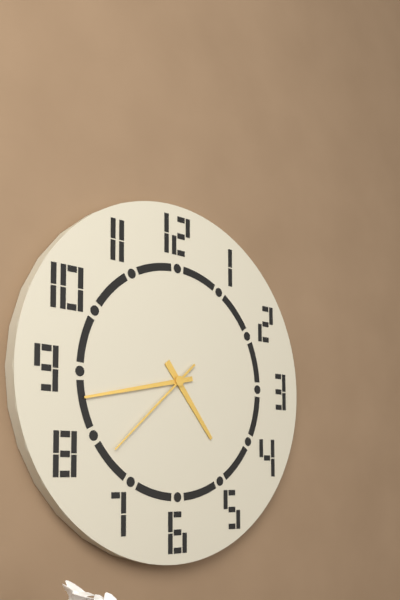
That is h=4 m=43 s=38
